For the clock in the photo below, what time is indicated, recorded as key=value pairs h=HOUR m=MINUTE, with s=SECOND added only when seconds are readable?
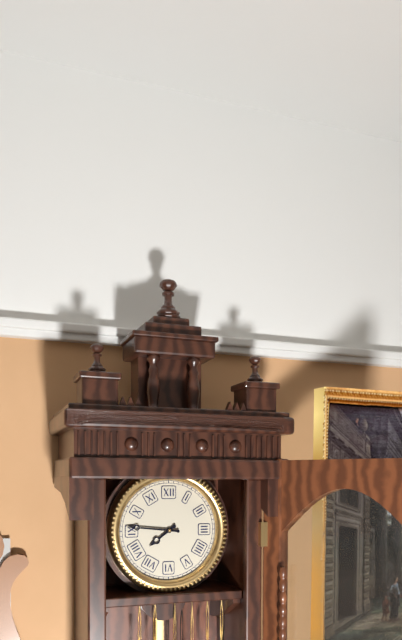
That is h=7 m=46
